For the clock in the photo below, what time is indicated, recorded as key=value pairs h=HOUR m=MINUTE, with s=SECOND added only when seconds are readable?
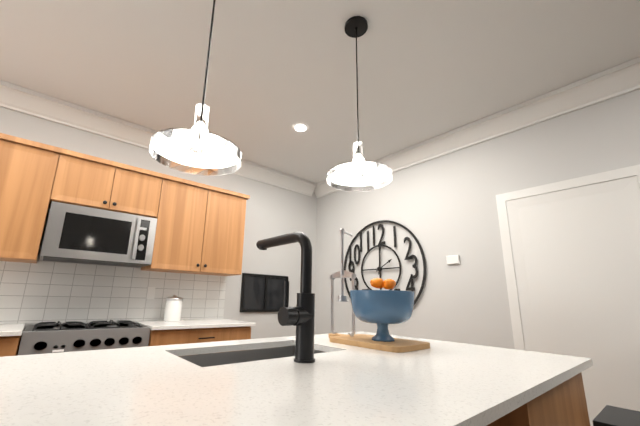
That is h=2 m=1
